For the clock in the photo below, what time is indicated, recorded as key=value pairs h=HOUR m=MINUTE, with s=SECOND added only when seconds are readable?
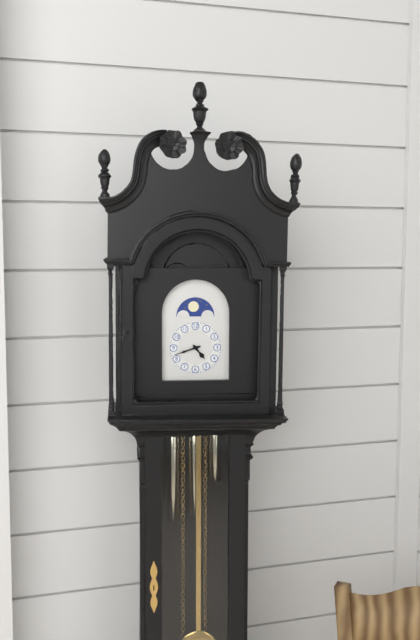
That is h=4 m=42
